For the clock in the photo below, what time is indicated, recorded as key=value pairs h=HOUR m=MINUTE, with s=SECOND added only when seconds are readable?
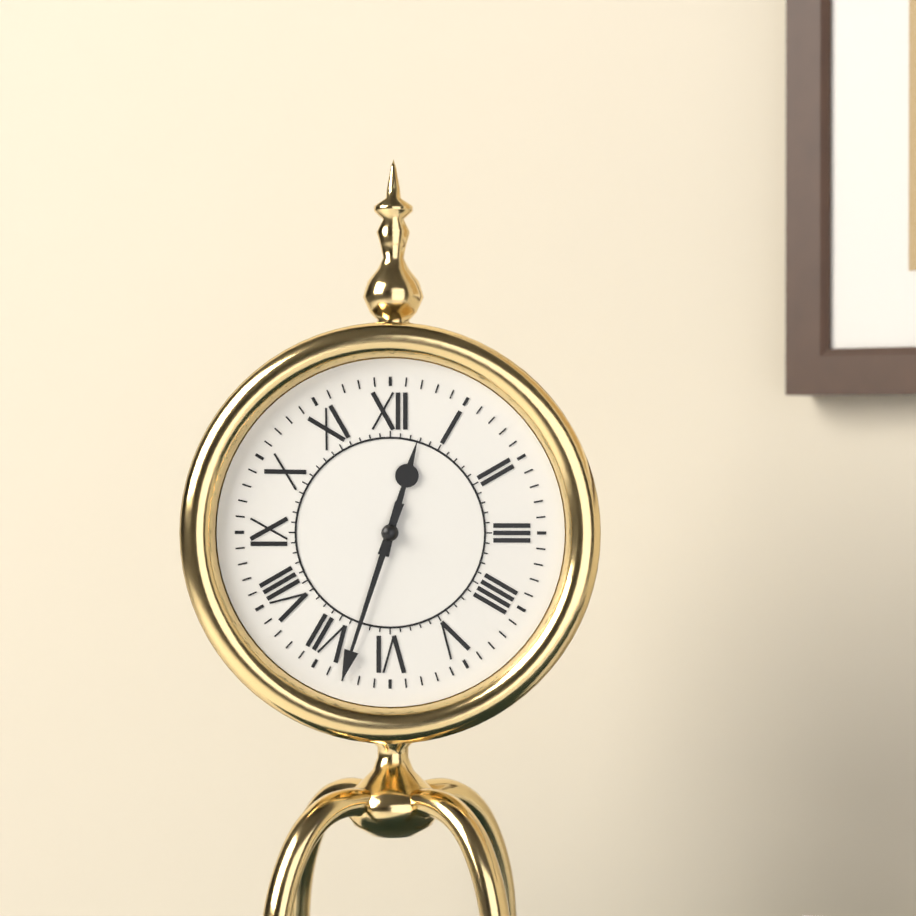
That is h=12 m=33
